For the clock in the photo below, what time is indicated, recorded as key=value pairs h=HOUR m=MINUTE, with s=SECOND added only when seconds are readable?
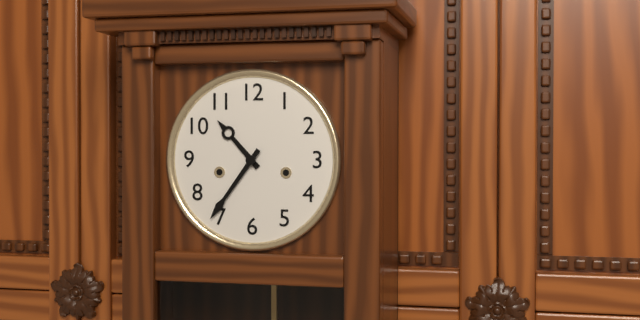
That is h=10 m=36
